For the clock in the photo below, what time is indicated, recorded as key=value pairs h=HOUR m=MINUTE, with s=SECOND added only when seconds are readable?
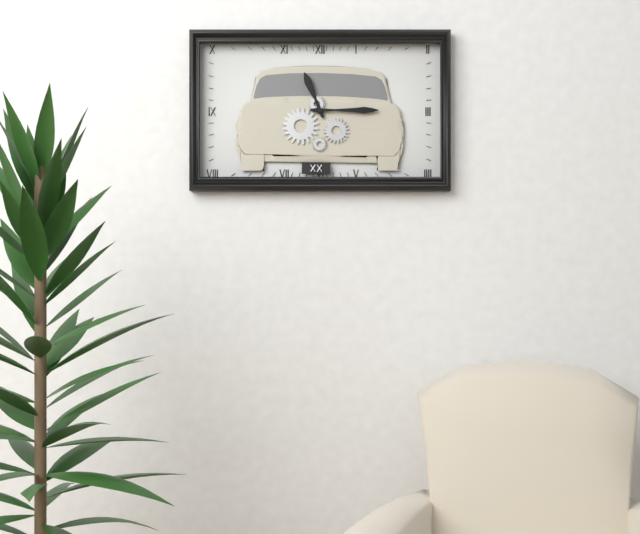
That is h=11 m=15
